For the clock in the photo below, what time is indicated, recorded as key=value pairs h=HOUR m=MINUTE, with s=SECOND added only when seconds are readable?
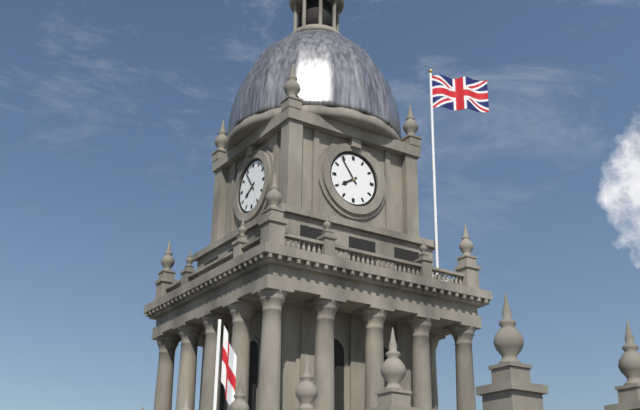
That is h=7 m=54
